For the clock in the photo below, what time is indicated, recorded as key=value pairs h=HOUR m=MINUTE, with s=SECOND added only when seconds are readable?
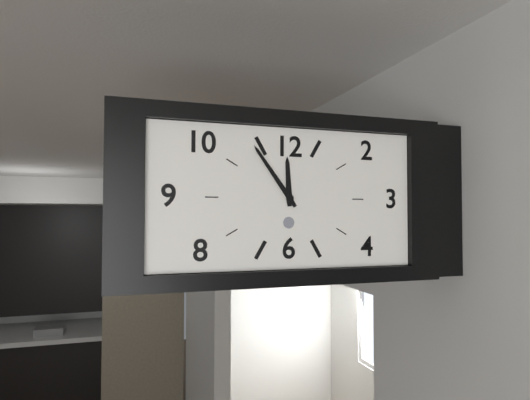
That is h=11 m=54
